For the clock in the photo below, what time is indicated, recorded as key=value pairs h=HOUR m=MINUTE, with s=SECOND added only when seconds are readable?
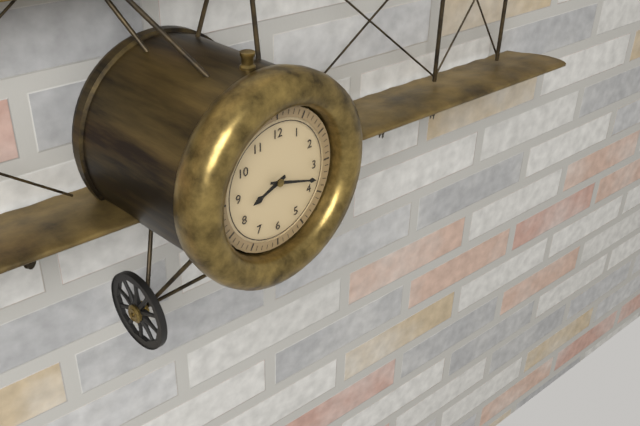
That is h=8 m=18
